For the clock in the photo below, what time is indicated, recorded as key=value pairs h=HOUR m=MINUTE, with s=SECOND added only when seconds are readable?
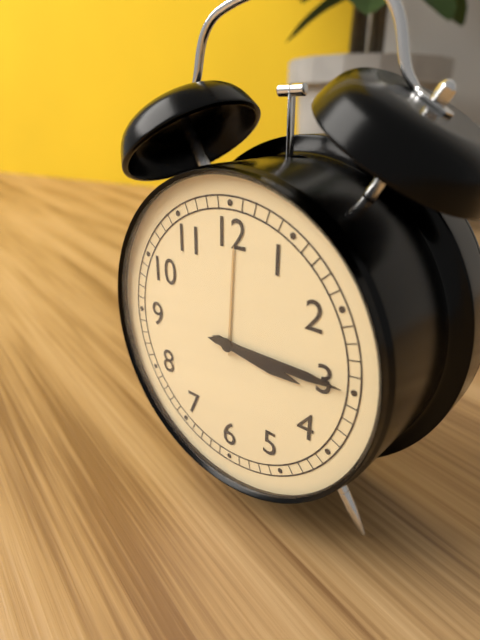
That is h=3 m=15
